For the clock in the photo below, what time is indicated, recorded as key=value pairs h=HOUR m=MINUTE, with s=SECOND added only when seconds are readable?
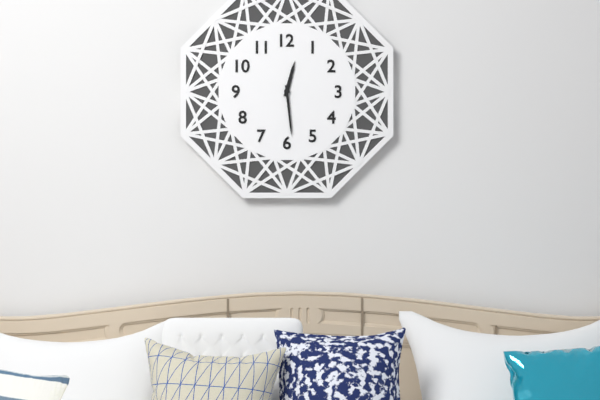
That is h=12 m=29
